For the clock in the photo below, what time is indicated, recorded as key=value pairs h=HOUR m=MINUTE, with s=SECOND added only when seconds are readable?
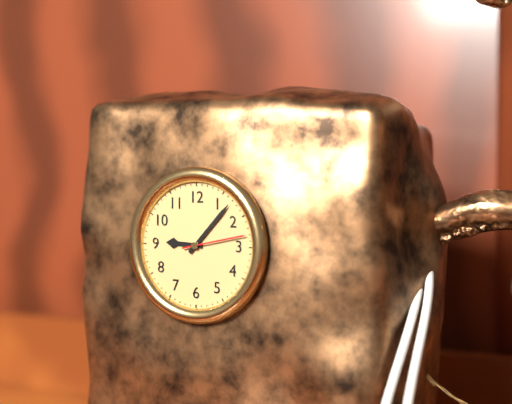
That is h=9 m=7 s=13
